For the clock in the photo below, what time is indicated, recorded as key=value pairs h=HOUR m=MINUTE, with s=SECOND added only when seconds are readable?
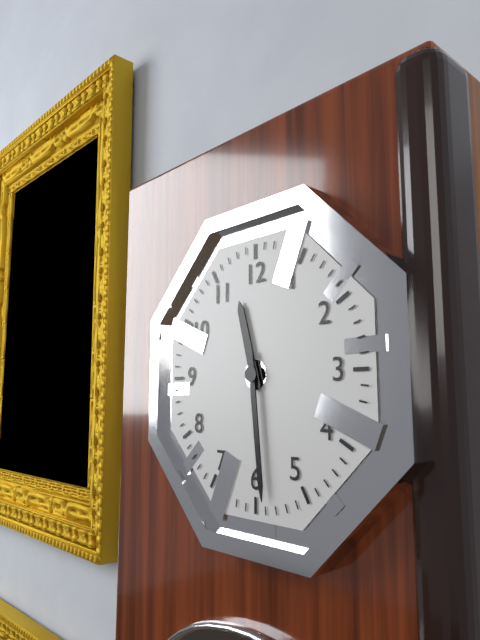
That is h=11 m=29
